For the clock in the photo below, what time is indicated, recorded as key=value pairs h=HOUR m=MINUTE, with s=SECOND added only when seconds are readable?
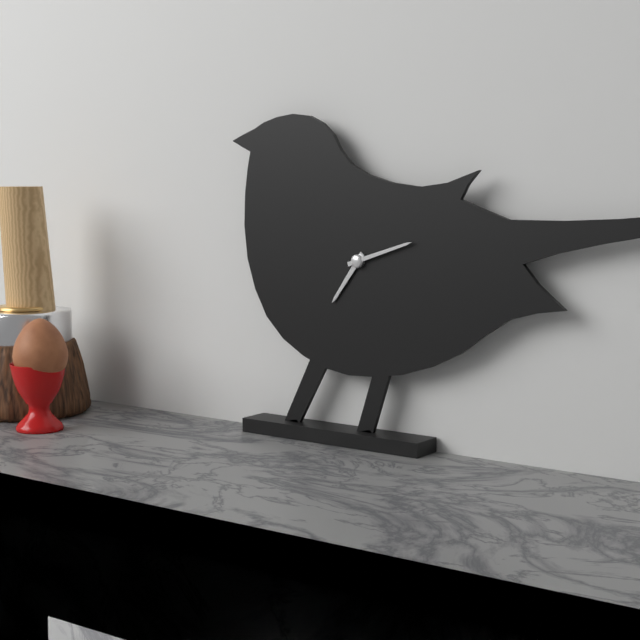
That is h=7 m=12
